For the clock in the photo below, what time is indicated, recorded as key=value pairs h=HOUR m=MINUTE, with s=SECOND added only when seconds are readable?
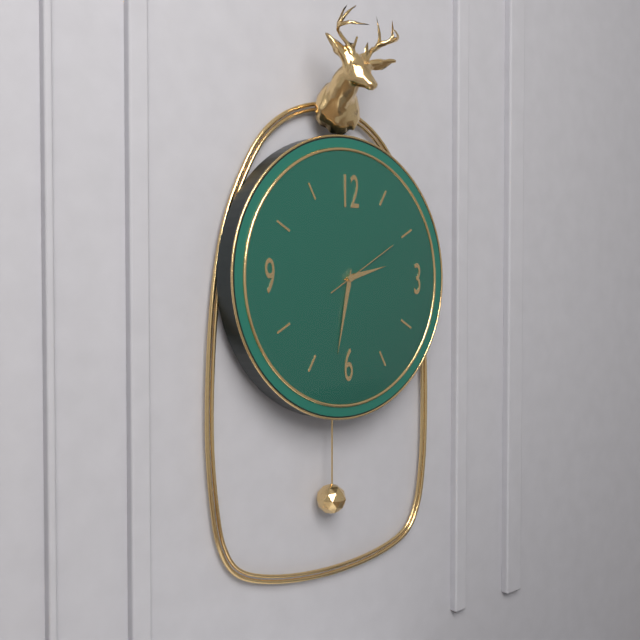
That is h=2 m=32 s=10
